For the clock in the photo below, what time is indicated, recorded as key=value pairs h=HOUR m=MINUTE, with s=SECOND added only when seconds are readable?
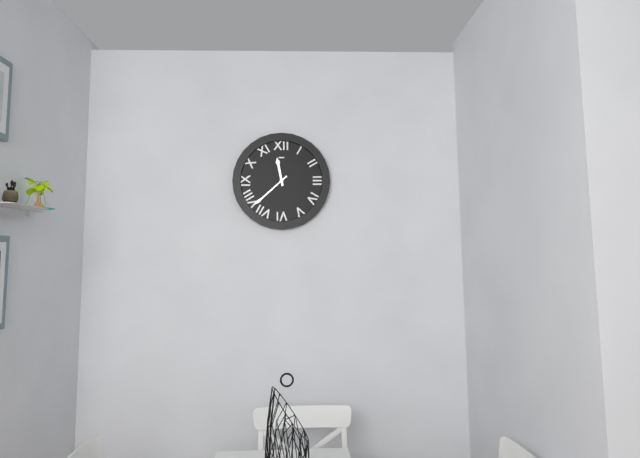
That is h=11 m=38
